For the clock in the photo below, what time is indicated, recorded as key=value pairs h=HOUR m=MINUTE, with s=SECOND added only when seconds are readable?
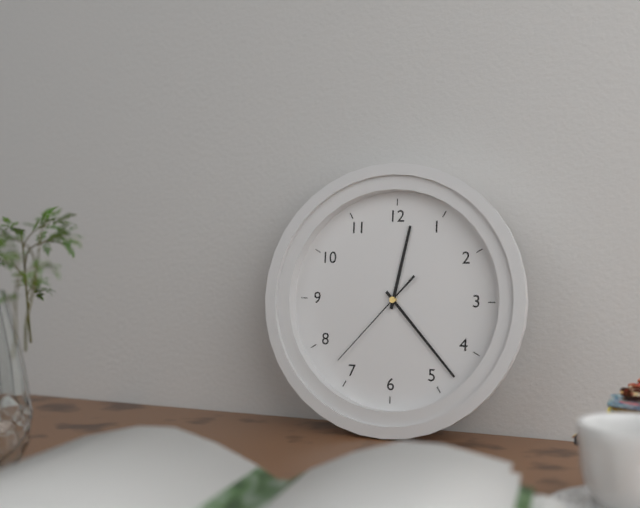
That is h=12 m=23 s=37
